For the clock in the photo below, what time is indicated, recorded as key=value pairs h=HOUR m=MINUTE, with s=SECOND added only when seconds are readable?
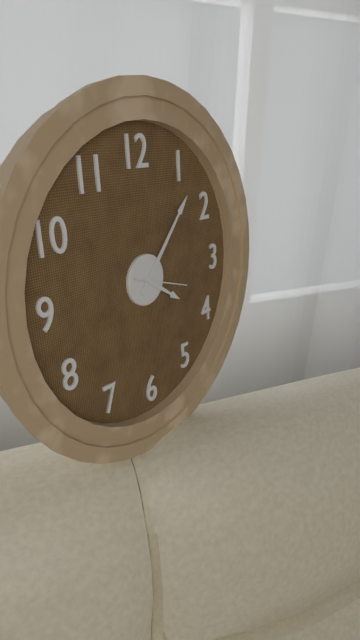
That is h=4 m=7
